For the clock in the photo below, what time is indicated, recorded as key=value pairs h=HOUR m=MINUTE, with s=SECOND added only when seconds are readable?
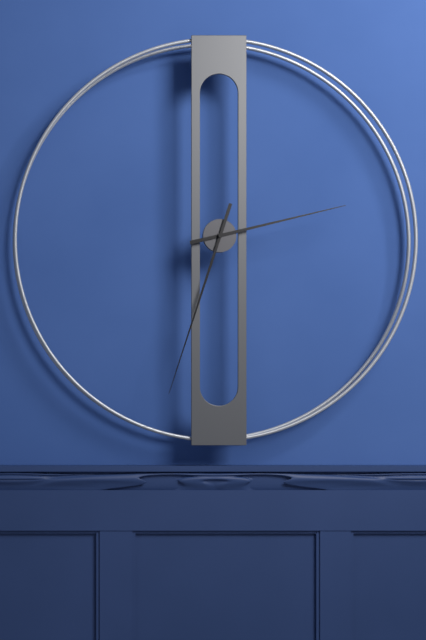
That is h=2 m=33
